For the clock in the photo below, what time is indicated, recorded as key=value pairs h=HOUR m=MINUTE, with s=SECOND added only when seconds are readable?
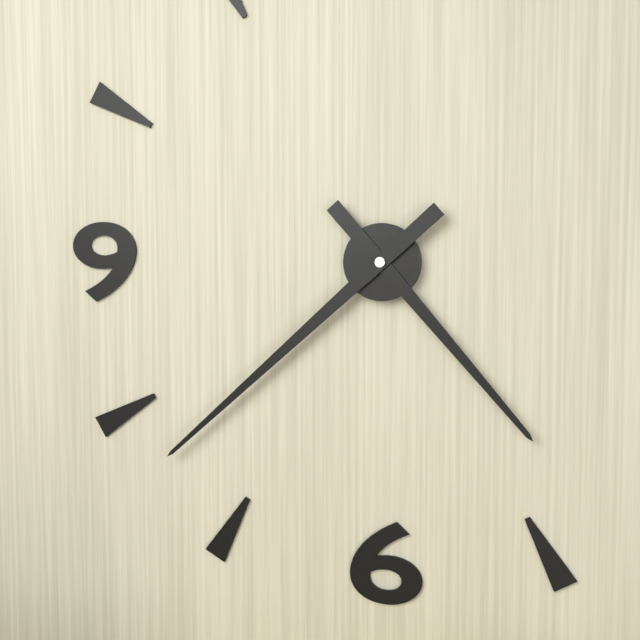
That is h=4 m=38
